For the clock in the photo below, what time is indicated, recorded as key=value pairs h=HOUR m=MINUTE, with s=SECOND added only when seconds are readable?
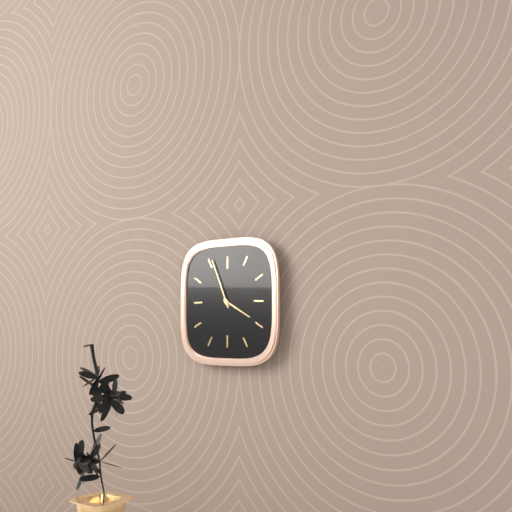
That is h=3 m=56
